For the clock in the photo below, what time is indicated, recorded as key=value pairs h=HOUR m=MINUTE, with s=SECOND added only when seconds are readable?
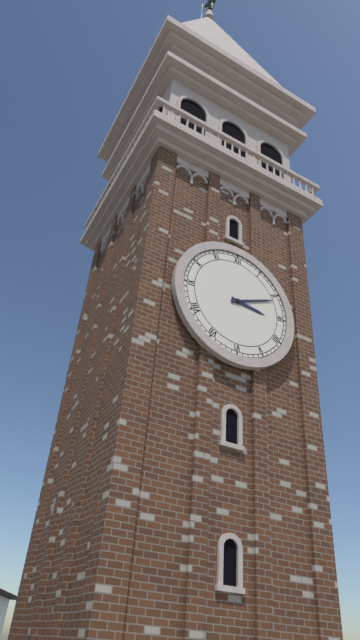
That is h=3 m=11
